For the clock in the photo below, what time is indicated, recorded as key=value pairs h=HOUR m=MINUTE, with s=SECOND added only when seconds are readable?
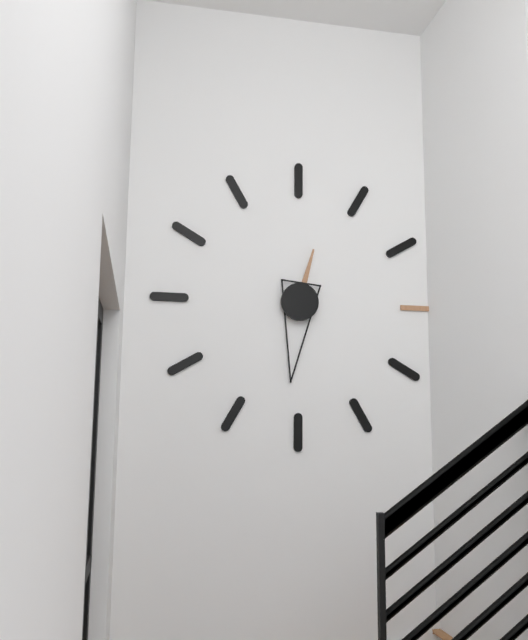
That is h=12 m=31
